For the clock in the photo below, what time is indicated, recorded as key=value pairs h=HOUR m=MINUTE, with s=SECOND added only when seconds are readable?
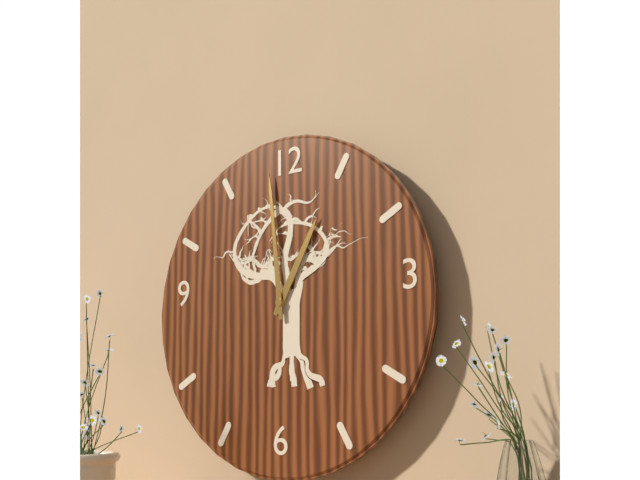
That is h=12 m=59
